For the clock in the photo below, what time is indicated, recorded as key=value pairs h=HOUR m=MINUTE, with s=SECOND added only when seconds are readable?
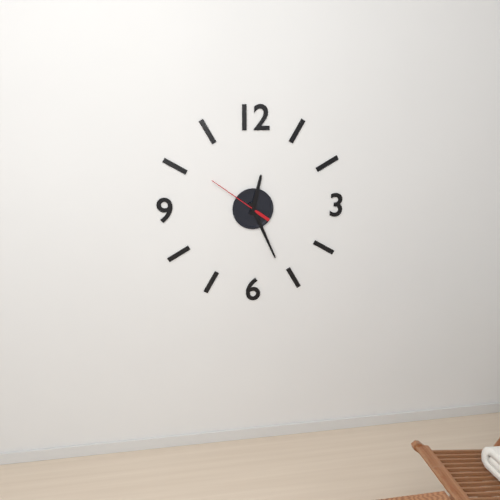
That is h=12 m=26 s=51
